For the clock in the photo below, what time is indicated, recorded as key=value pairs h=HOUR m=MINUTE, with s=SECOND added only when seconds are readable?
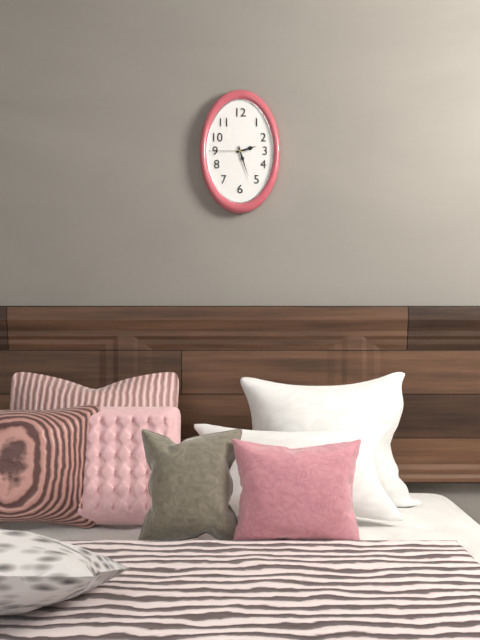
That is h=2 m=27
